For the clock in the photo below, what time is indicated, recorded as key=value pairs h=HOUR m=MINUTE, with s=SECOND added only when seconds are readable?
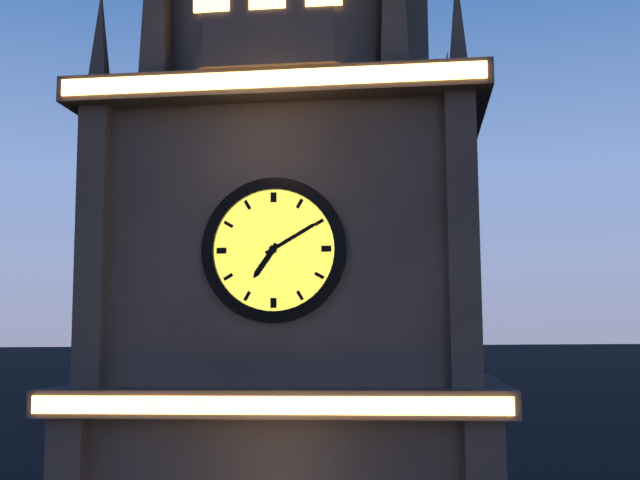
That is h=7 m=10
